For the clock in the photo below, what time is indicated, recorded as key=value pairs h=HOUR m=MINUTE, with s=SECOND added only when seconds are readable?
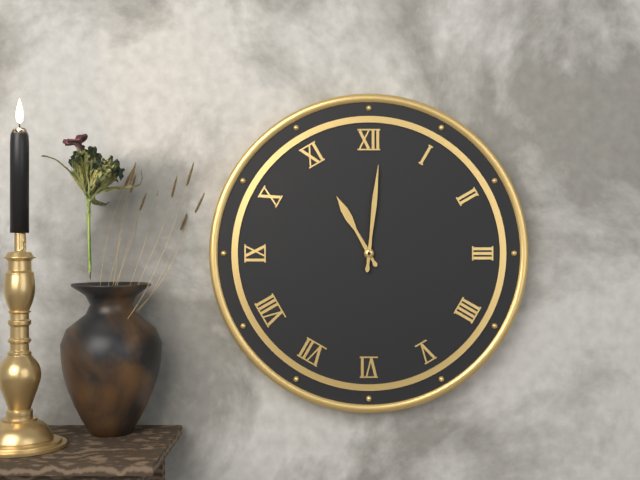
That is h=11 m=1
